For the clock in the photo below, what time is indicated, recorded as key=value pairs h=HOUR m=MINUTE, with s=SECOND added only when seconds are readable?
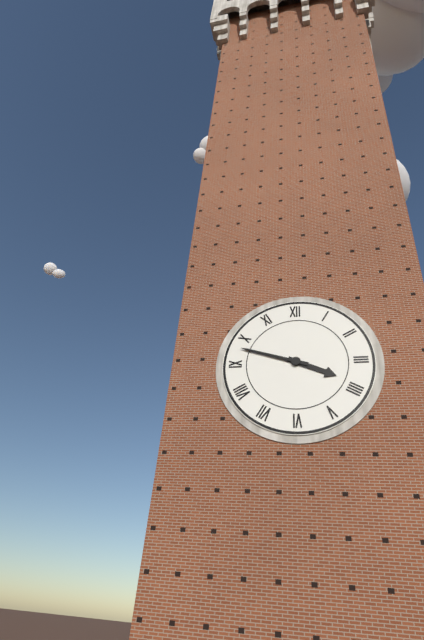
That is h=3 m=48
